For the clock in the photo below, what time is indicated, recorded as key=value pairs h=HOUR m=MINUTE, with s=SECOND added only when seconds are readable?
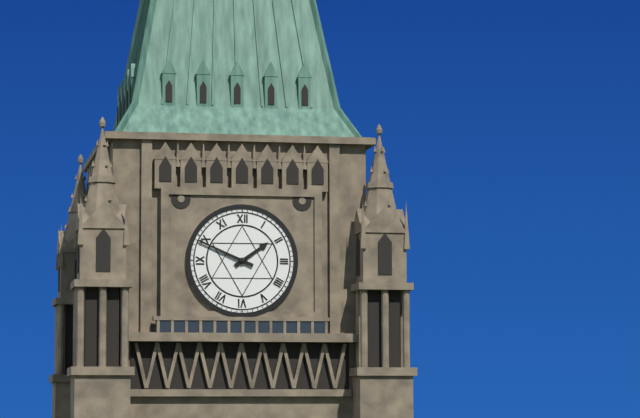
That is h=1 m=49
